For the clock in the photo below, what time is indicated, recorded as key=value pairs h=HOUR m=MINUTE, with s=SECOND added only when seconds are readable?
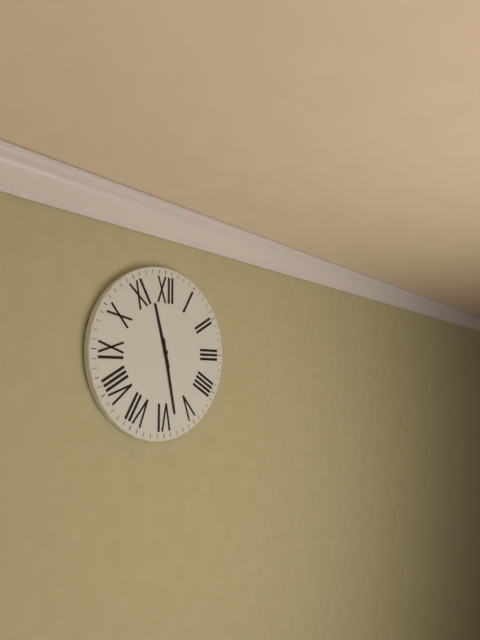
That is h=11 m=28
